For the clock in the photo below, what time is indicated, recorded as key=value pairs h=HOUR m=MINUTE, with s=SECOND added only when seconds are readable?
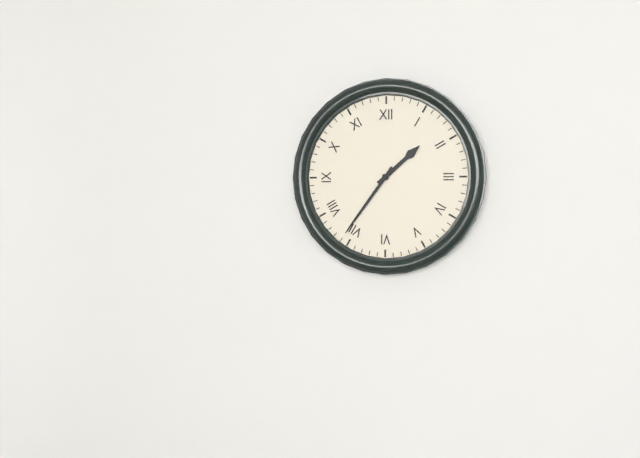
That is h=1 m=36
